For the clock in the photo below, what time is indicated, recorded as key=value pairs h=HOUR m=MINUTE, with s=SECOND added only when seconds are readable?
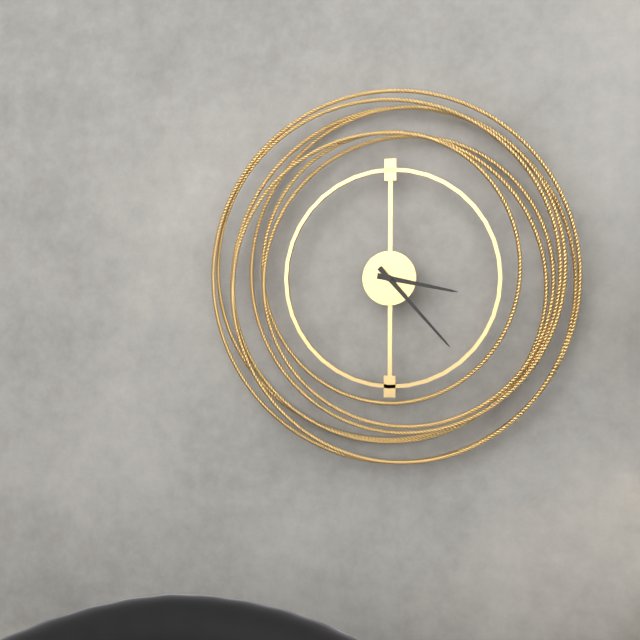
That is h=3 m=23
